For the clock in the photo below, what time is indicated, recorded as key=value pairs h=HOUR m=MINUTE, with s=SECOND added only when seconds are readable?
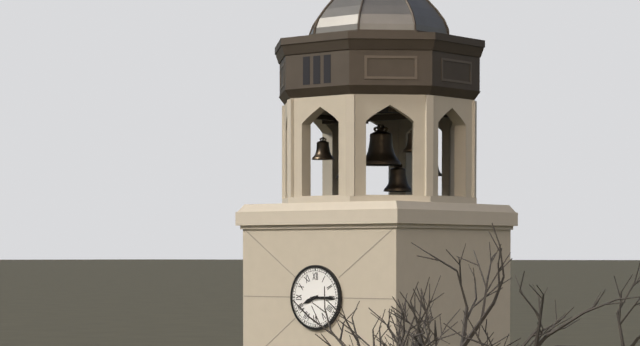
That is h=8 m=15
